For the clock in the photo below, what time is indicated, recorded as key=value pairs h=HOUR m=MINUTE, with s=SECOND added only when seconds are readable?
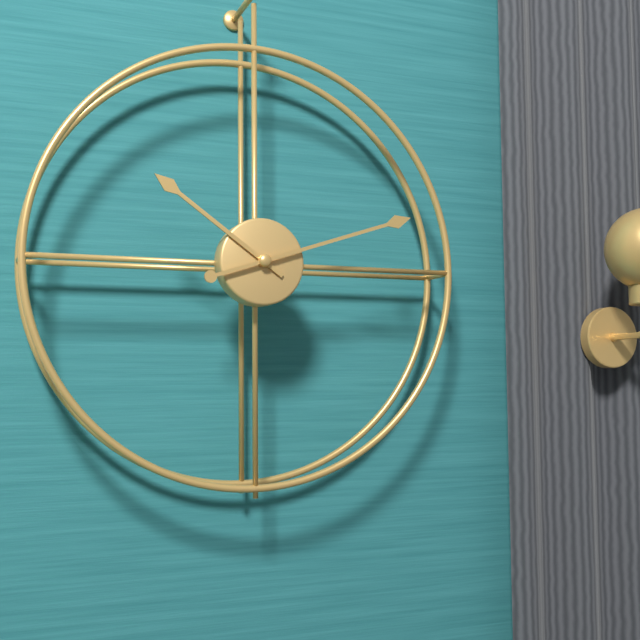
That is h=10 m=12
